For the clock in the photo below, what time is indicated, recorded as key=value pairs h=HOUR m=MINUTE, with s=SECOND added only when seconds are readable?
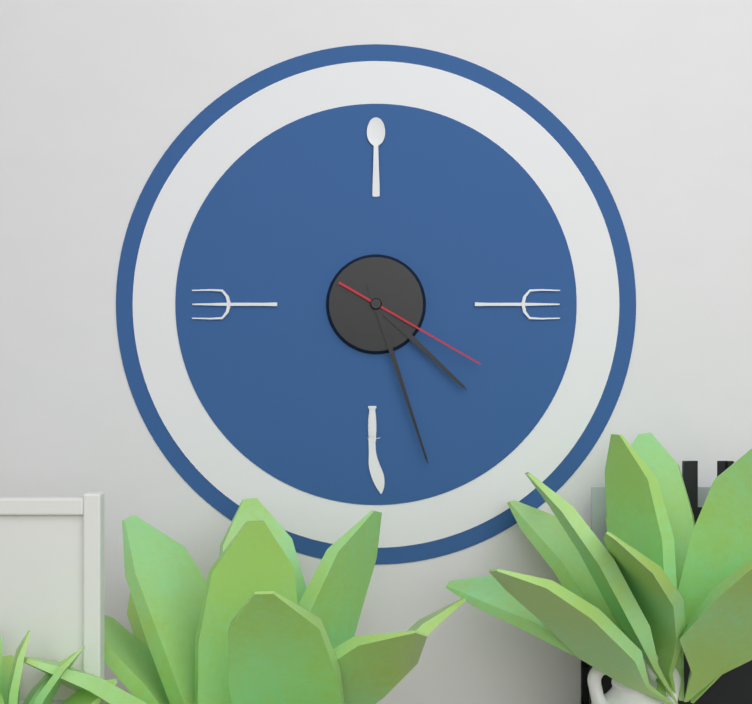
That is h=4 m=27 s=20
